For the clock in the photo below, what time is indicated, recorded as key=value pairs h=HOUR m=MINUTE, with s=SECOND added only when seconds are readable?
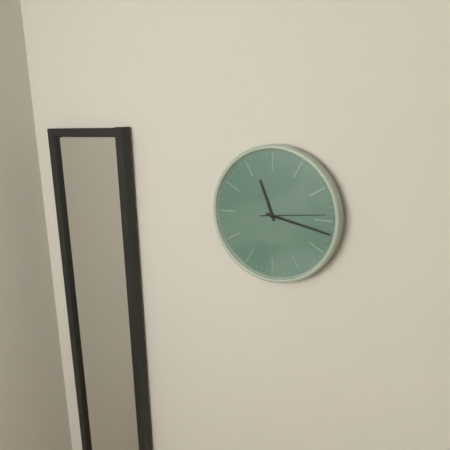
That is h=11 m=17 s=14
